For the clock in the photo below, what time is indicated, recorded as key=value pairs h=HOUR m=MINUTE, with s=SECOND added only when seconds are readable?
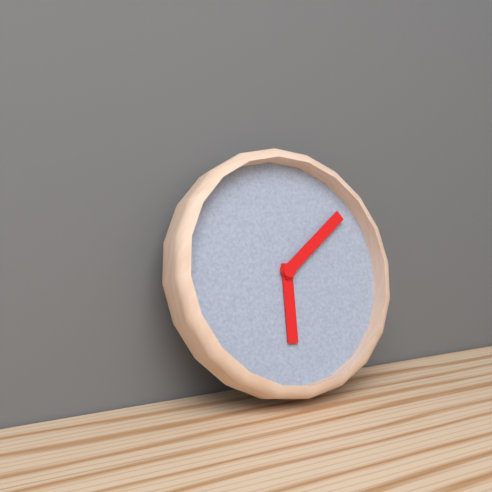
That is h=6 m=9
